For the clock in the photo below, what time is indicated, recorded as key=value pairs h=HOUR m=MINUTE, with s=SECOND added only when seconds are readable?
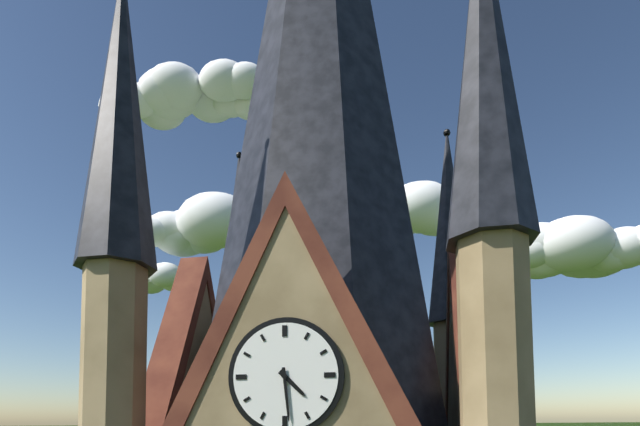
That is h=4 m=29
